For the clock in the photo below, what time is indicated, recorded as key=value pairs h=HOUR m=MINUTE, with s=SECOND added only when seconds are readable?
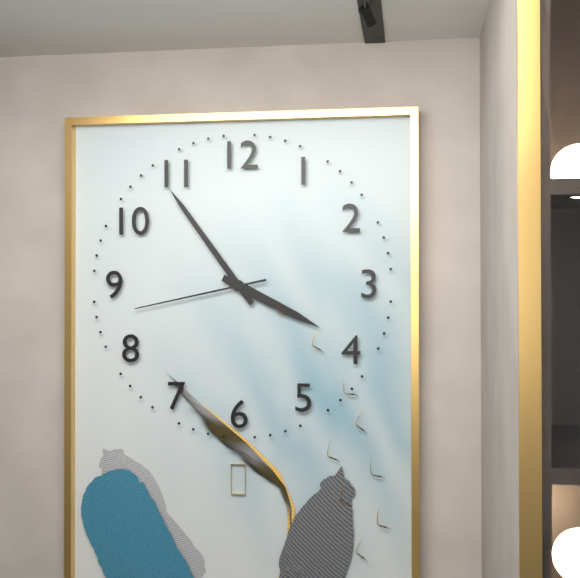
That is h=3 m=54 s=43
